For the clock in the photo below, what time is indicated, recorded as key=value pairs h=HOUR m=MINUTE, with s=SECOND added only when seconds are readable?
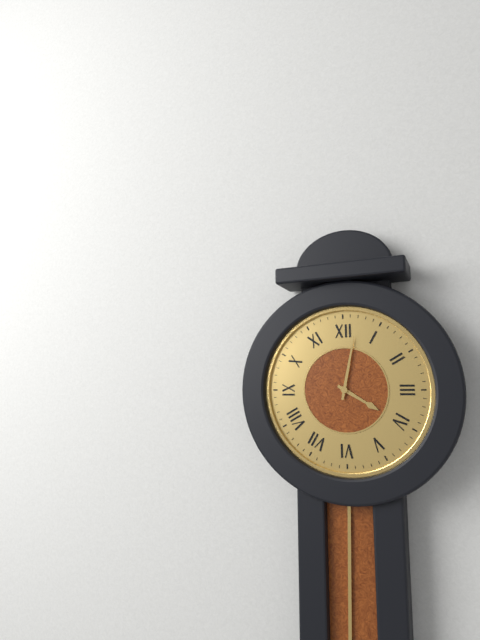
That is h=4 m=2
